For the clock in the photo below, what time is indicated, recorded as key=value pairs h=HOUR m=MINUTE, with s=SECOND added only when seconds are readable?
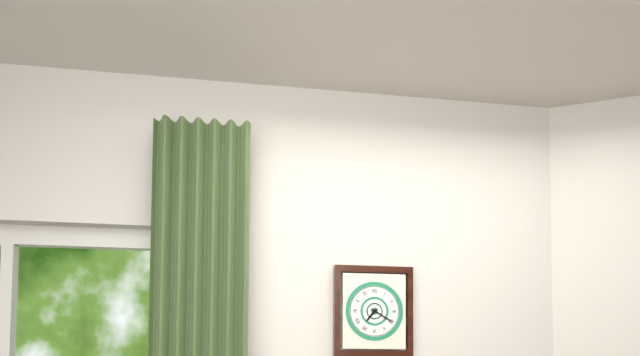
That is h=7 m=20
